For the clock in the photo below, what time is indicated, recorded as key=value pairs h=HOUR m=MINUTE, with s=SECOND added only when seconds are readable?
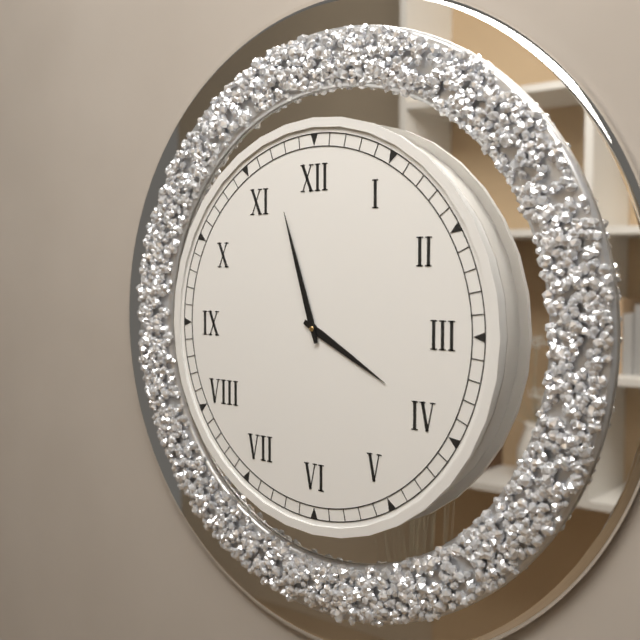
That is h=3 m=57
